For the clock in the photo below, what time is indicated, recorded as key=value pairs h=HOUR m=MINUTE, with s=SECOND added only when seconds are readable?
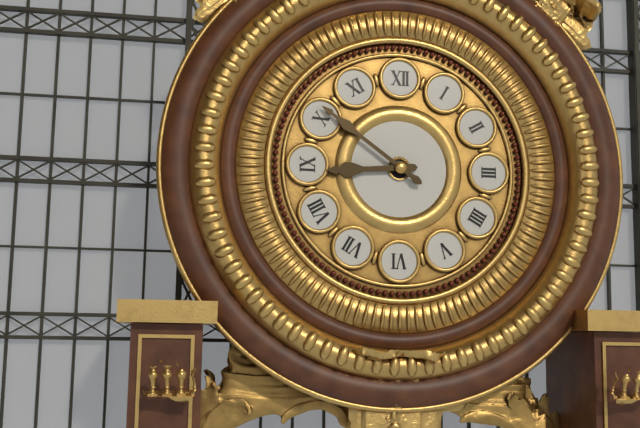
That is h=8 m=51
